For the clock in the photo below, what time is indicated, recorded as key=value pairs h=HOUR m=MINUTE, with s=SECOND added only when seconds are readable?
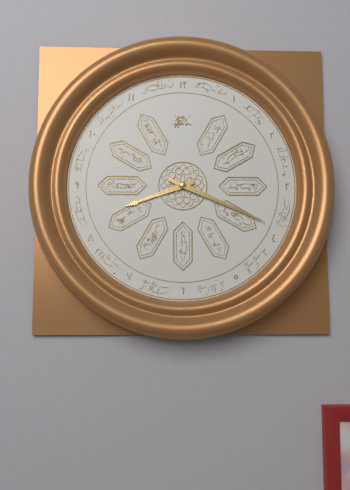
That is h=8 m=19
